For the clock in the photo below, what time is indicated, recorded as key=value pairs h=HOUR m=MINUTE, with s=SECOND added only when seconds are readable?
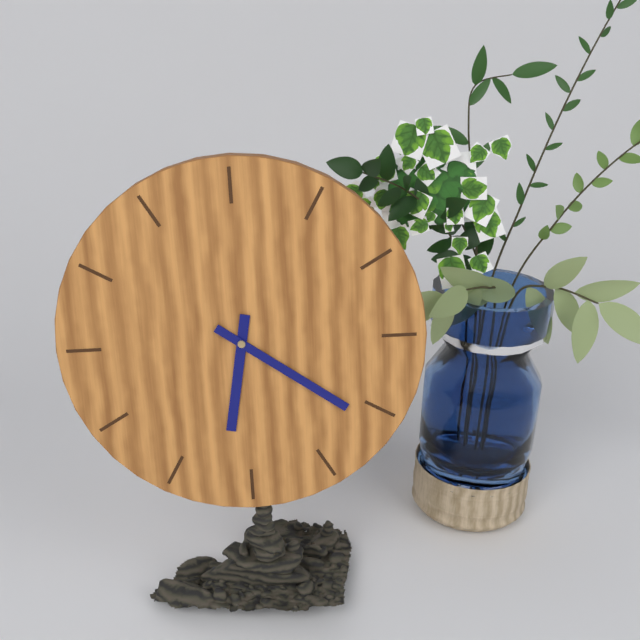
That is h=6 m=21
